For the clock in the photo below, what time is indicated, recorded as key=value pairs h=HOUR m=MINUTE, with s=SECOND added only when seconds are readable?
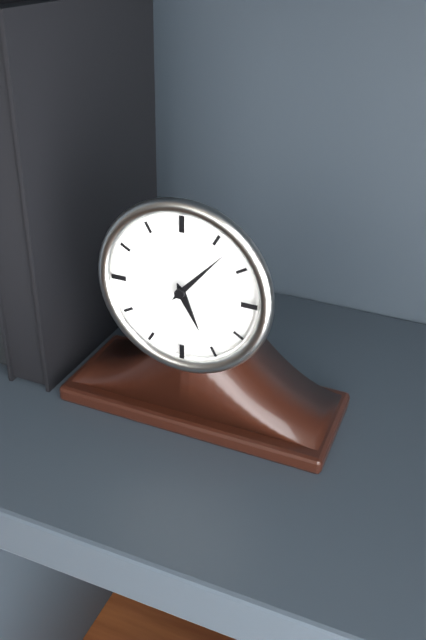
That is h=5 m=7
